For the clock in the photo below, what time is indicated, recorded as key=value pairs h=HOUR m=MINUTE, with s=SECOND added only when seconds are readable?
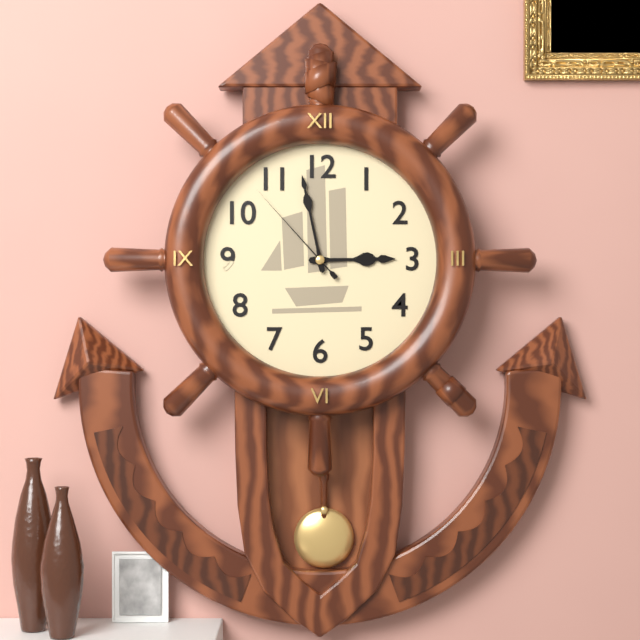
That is h=2 m=58 s=53
